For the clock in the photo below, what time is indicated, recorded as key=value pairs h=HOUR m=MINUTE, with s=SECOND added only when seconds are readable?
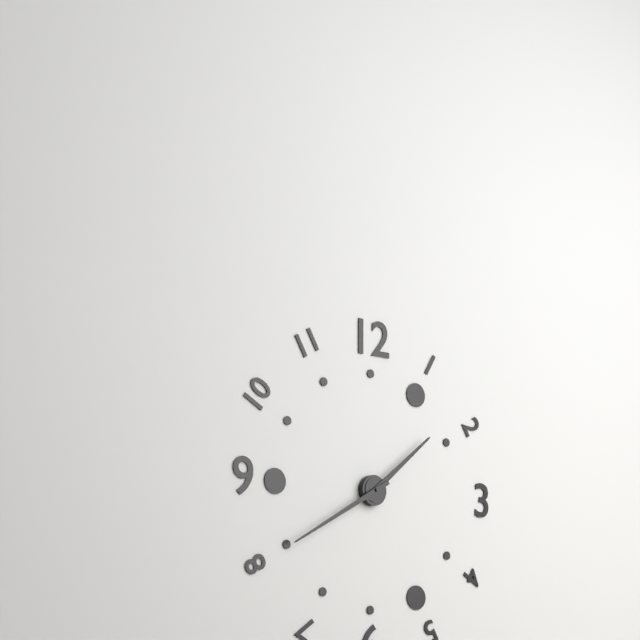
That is h=1 m=40
